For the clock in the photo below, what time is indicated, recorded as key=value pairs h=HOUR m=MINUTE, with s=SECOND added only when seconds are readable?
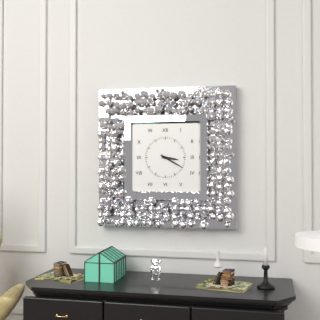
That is h=3 m=20
